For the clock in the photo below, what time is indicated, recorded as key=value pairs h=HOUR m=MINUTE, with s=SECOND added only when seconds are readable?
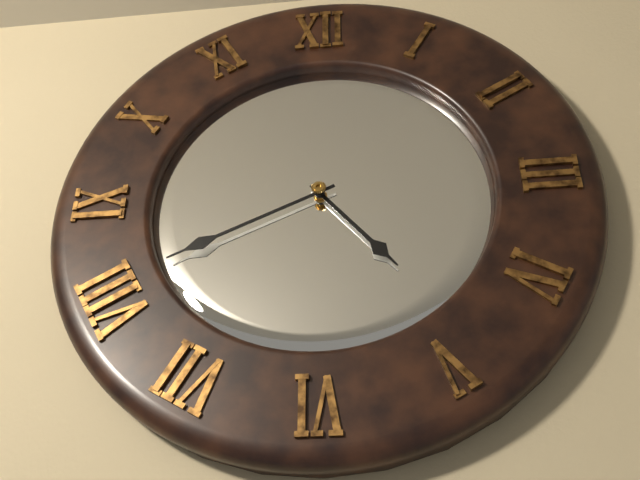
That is h=4 m=41
